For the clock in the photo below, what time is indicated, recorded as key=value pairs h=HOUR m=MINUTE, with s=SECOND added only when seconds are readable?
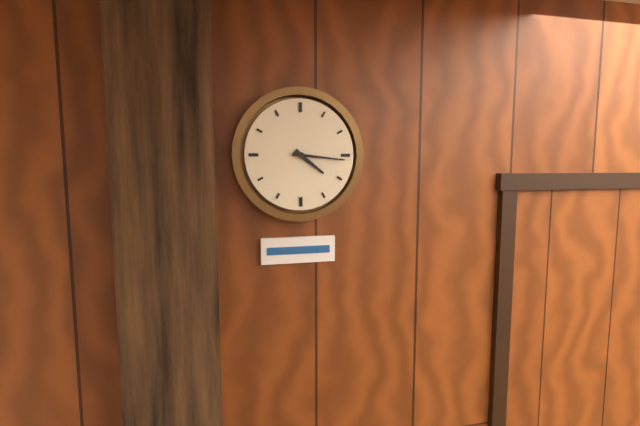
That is h=4 m=16
